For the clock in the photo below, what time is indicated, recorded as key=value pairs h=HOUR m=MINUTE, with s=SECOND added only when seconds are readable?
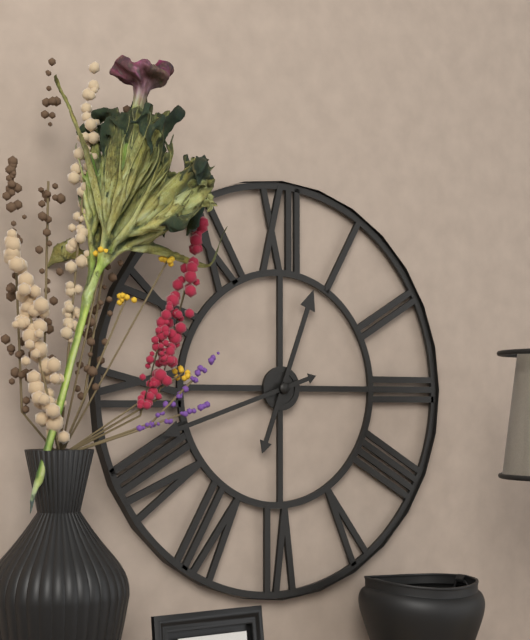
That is h=12 m=42
